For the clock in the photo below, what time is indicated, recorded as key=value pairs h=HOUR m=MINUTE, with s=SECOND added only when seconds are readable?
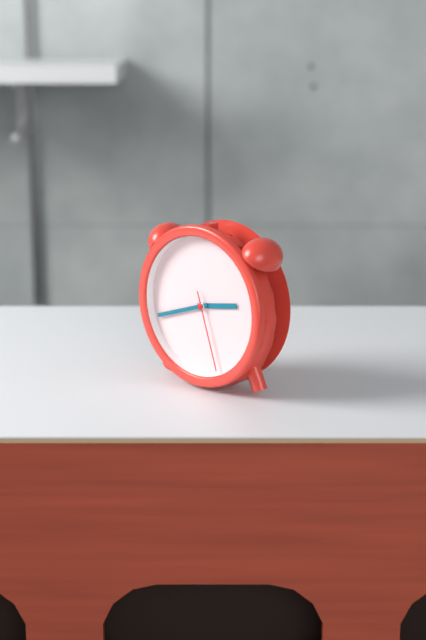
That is h=2 m=42 s=27
